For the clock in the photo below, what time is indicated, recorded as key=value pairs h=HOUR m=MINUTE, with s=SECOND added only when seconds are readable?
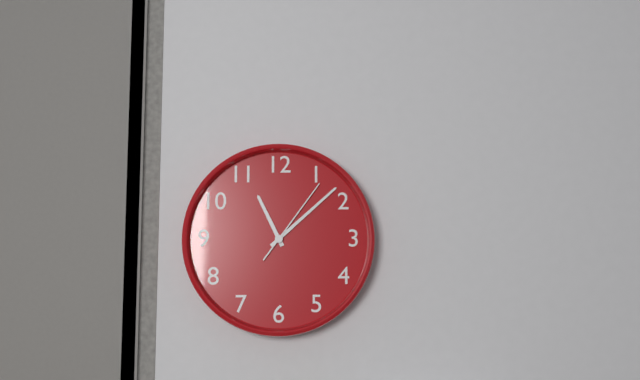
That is h=11 m=8 s=6
